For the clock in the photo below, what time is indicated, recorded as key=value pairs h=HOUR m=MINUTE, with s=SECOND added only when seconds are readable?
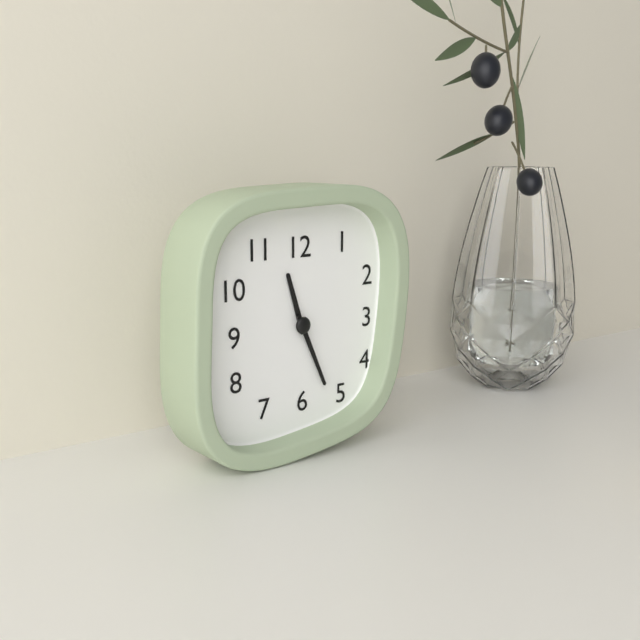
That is h=11 m=26
